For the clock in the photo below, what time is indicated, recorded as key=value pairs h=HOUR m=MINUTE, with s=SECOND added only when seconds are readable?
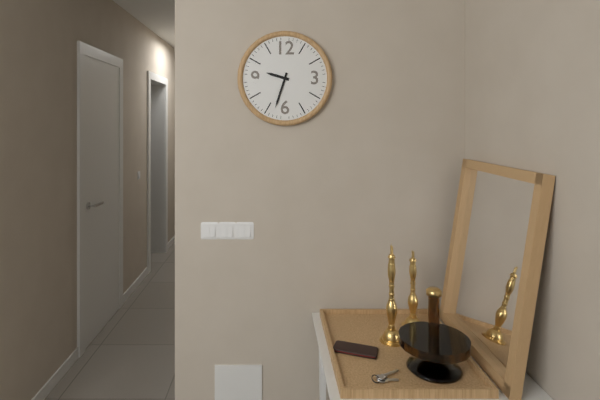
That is h=9 m=33
